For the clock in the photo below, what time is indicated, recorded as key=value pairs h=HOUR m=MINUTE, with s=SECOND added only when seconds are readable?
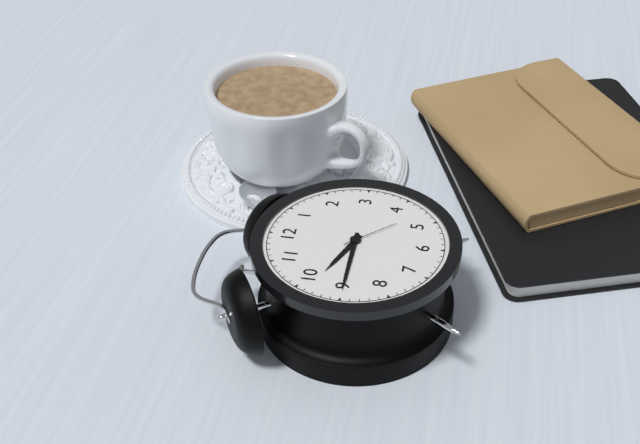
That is h=9 m=45 s=23
